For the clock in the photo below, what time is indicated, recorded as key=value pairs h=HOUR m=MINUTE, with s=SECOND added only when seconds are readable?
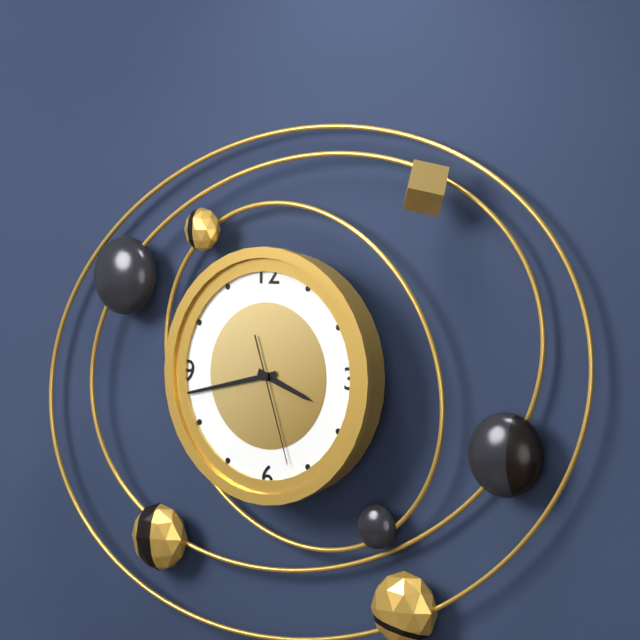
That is h=3 m=43 s=27
